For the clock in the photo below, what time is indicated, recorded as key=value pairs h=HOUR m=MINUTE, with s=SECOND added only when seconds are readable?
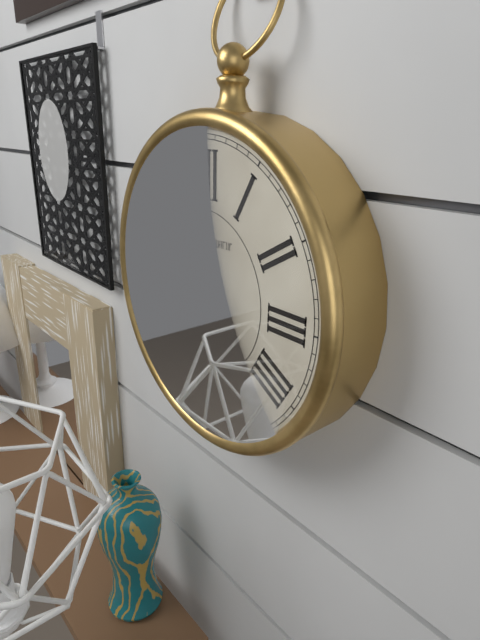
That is h=4 m=52
